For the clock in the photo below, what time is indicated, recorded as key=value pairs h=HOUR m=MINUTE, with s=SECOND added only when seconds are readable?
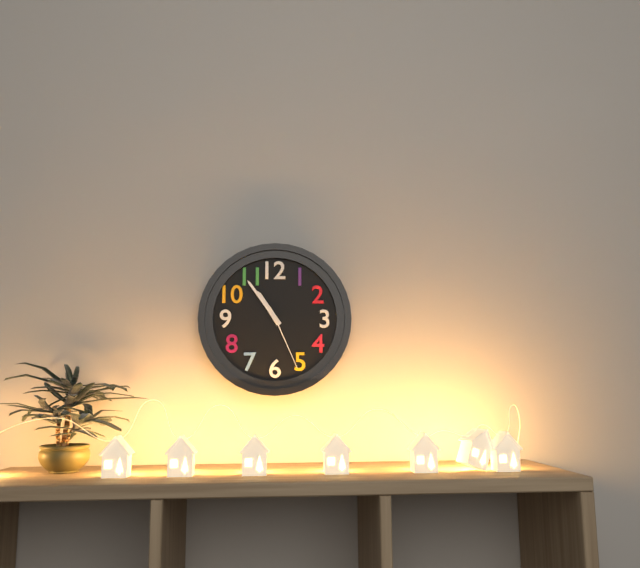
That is h=10 m=54 s=26
